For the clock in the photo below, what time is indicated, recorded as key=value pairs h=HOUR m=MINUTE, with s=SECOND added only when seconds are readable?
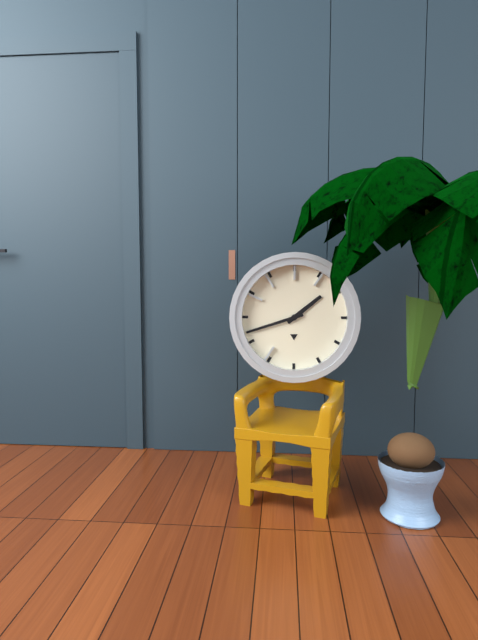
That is h=1 m=42
